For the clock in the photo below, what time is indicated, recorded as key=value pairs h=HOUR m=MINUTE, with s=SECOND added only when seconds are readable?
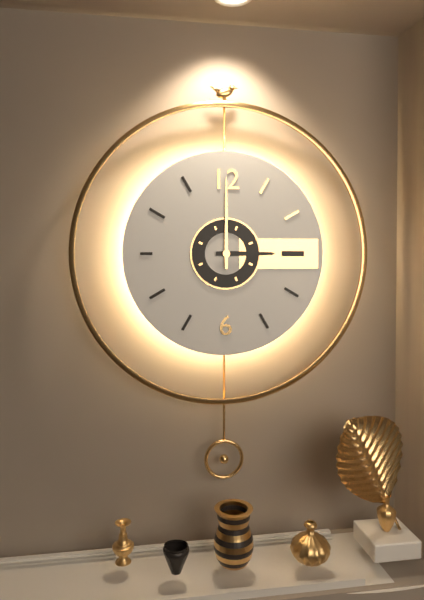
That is h=3 m=0
